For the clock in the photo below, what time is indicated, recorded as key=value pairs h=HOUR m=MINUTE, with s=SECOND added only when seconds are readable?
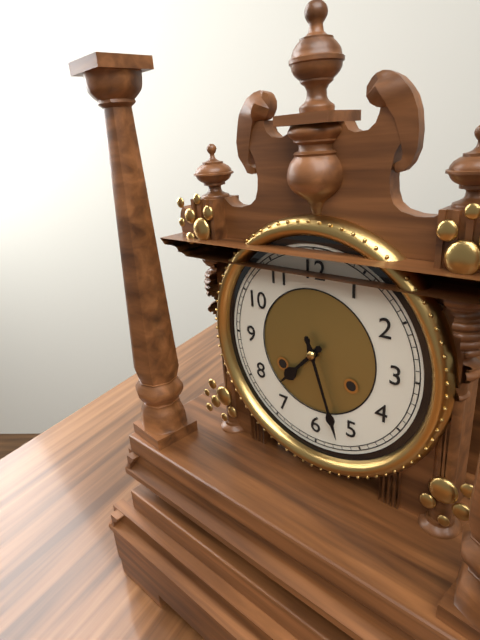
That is h=7 m=27
